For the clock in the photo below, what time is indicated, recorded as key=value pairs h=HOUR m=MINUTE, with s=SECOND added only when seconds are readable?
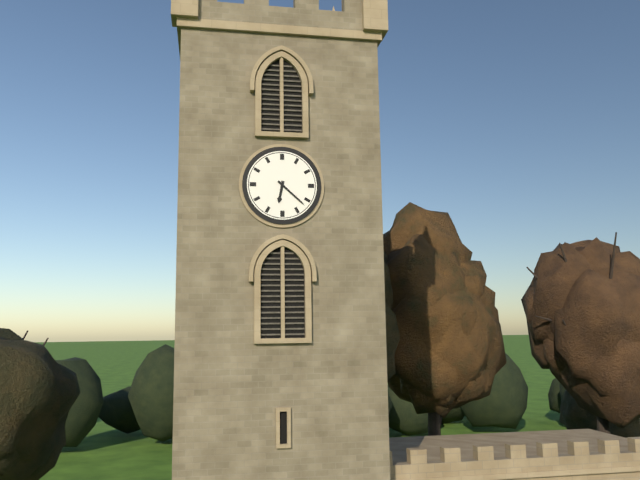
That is h=6 m=22
